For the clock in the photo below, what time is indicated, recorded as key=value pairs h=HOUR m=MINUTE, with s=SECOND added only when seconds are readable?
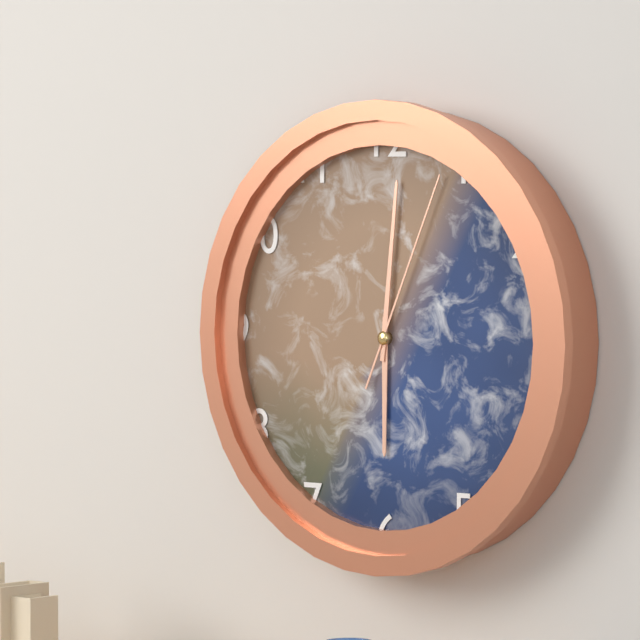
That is h=6 m=1 s=4
